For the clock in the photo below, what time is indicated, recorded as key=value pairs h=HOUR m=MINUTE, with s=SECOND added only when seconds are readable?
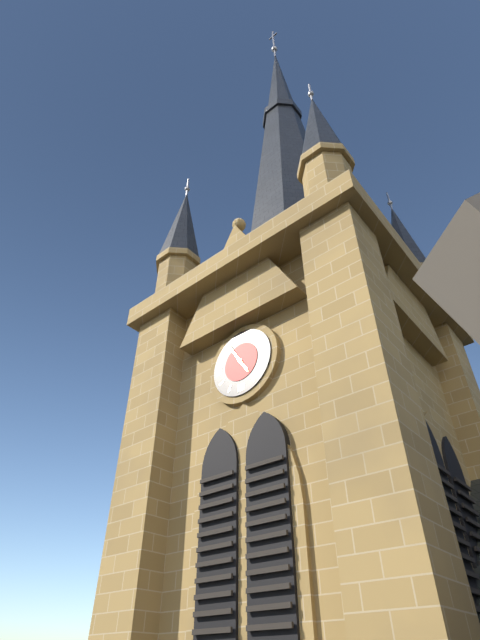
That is h=4 m=55
